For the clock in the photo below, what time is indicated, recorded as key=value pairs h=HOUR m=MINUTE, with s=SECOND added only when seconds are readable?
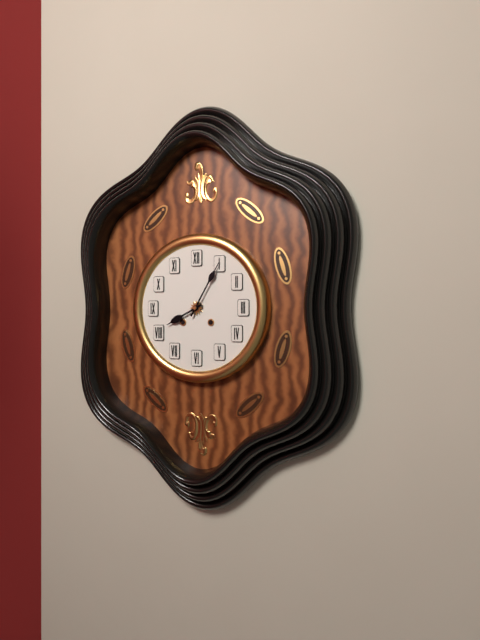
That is h=8 m=5
